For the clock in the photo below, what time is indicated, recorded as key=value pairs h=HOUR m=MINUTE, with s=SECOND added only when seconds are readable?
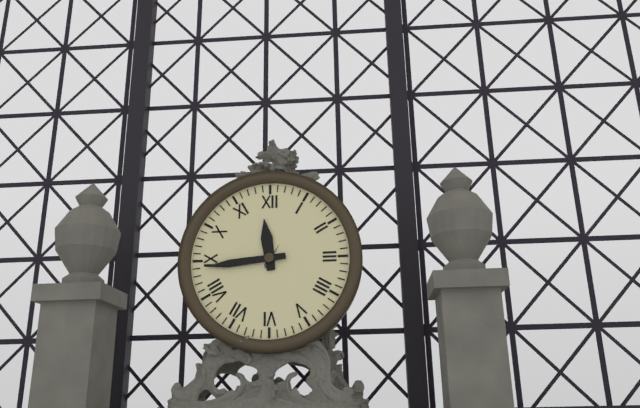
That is h=11 m=44
